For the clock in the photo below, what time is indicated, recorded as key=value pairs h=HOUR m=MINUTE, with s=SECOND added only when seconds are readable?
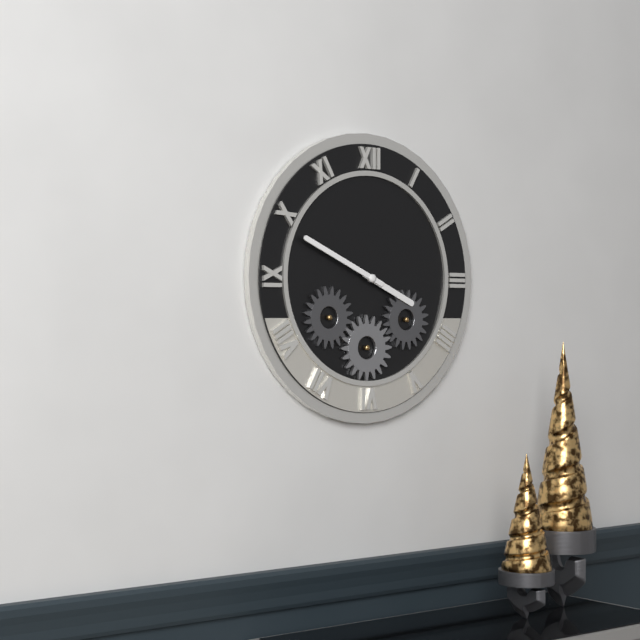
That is h=3 m=49
